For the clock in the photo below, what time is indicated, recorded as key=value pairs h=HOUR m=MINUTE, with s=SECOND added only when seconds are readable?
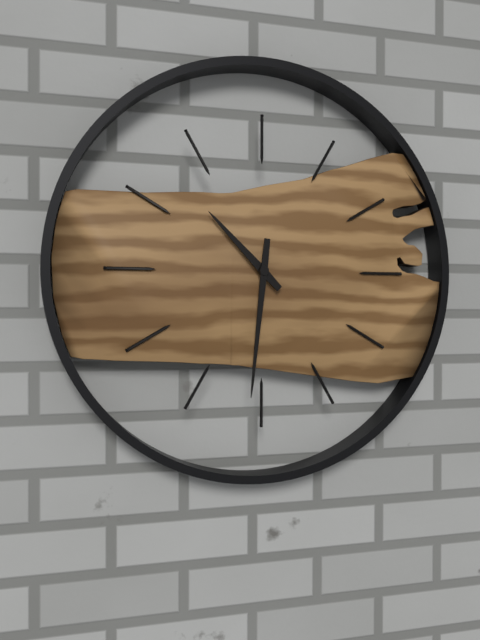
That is h=10 m=31
